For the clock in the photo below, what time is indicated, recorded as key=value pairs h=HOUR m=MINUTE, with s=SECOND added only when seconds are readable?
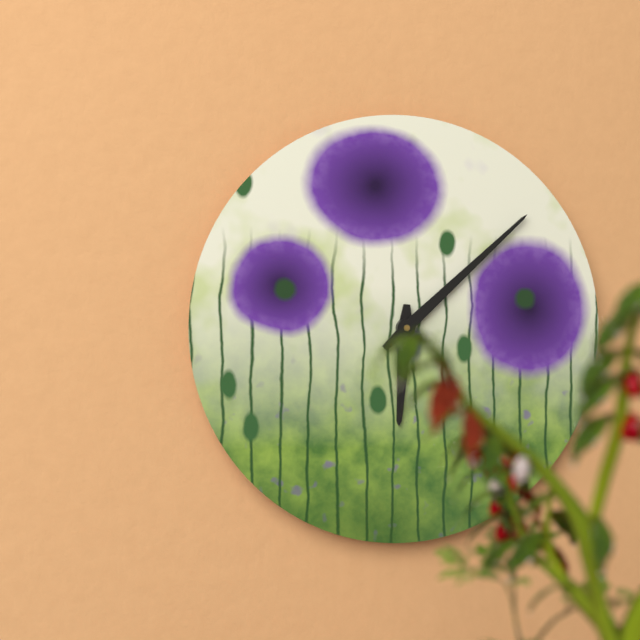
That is h=6 m=8
